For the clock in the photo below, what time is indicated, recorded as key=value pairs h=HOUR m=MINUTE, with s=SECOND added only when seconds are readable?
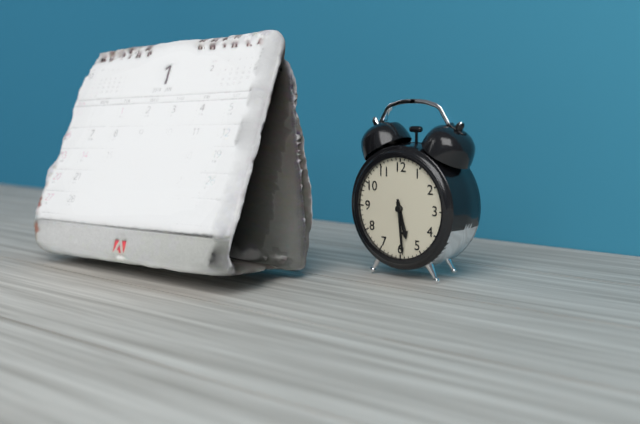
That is h=5 m=29
